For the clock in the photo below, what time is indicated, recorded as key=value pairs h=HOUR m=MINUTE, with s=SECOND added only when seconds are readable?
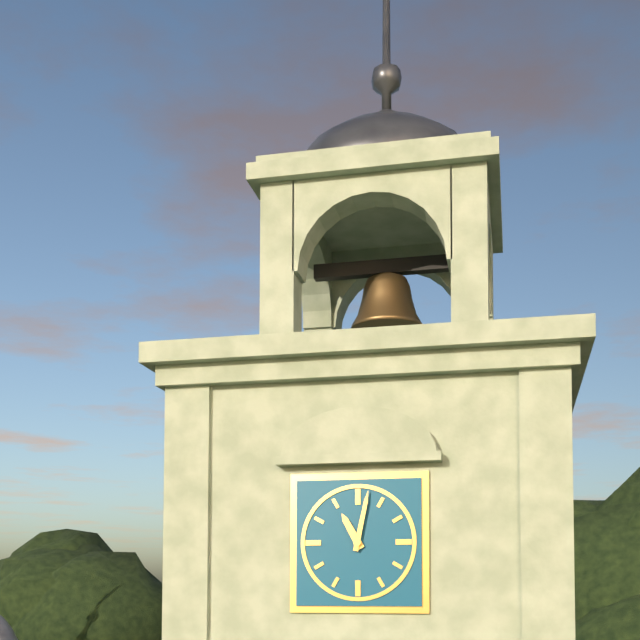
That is h=11 m=2
